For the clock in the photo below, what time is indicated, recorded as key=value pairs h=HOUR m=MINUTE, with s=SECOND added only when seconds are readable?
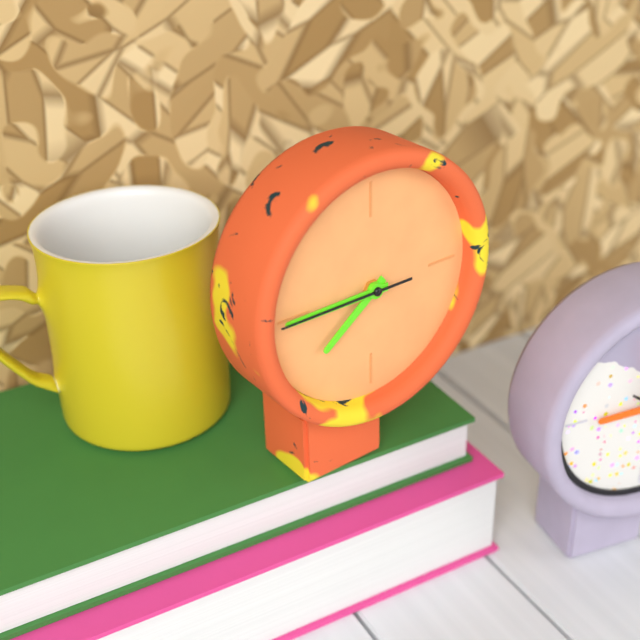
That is h=7 m=45 s=45
